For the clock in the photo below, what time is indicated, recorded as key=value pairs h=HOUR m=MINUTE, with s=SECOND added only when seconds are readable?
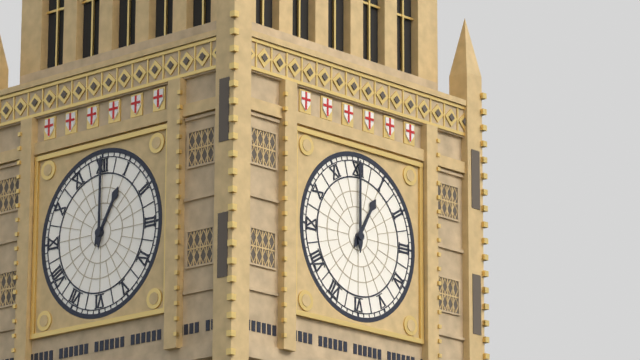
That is h=1 m=0
